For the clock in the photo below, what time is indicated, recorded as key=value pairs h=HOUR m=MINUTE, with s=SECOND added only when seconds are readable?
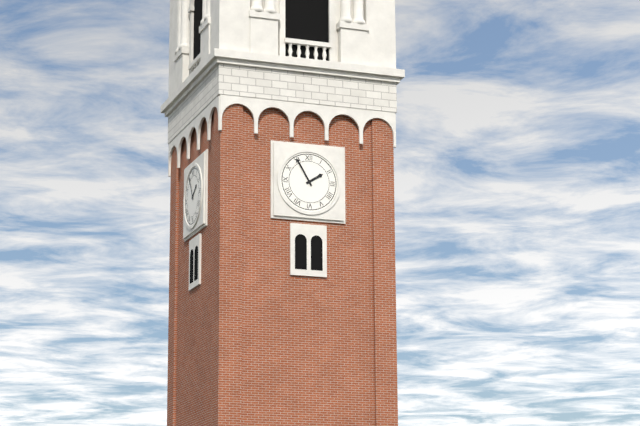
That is h=1 m=55
